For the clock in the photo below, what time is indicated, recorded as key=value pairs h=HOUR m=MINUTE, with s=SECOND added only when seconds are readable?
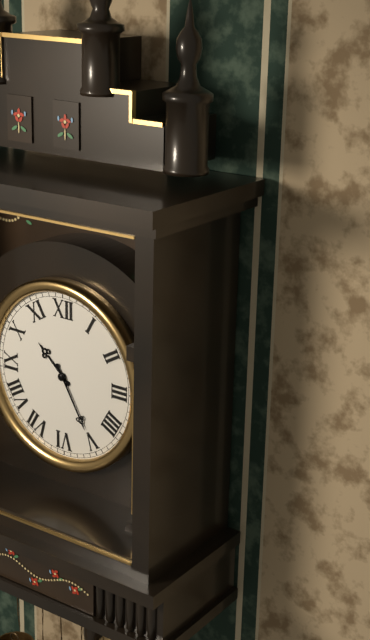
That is h=10 m=25
